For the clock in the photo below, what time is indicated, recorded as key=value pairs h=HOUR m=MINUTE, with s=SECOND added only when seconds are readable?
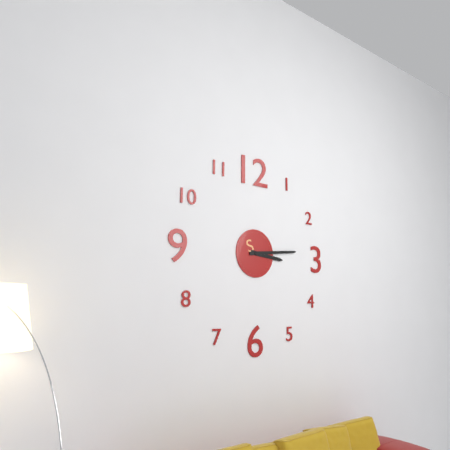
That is h=3 m=14
